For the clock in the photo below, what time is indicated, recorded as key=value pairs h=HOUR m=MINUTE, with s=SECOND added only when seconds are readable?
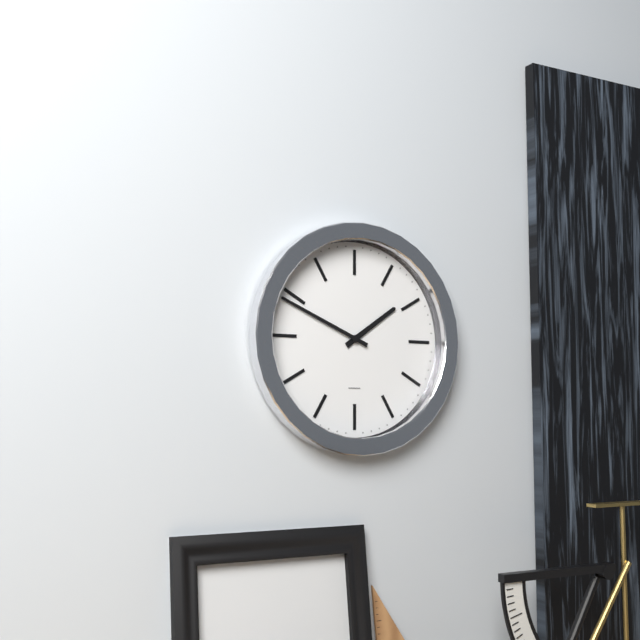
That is h=1 m=49
